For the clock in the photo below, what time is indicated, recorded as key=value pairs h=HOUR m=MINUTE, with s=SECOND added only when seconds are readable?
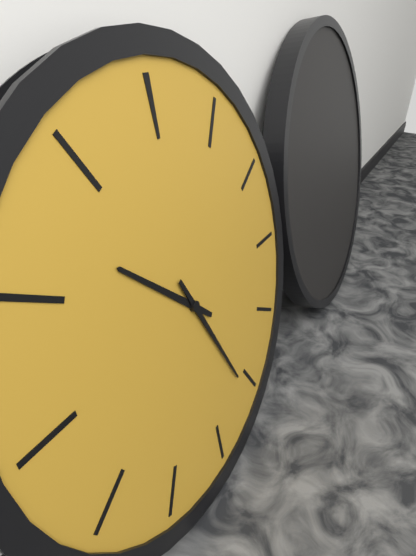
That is h=10 m=26
